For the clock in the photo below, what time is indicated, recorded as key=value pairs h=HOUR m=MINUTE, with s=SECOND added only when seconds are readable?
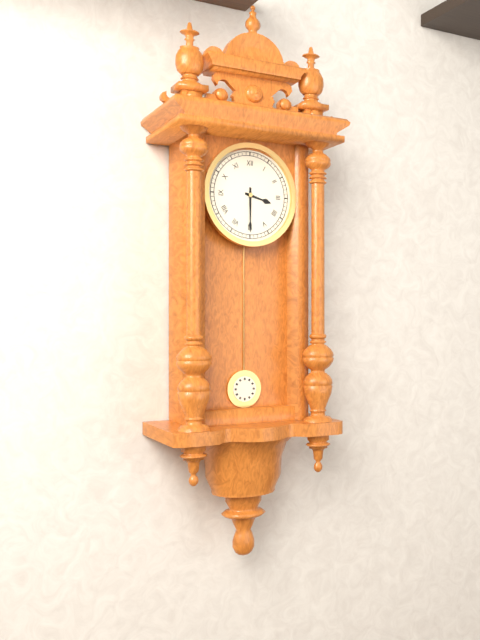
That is h=3 m=30
